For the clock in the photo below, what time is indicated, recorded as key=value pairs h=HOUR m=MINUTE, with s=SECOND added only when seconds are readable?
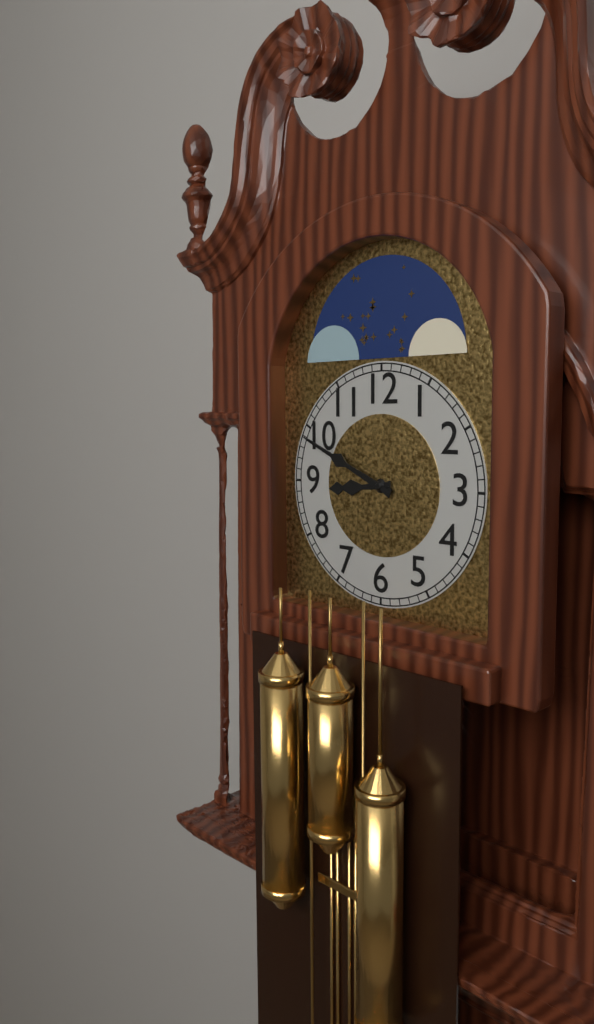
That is h=8 m=49
